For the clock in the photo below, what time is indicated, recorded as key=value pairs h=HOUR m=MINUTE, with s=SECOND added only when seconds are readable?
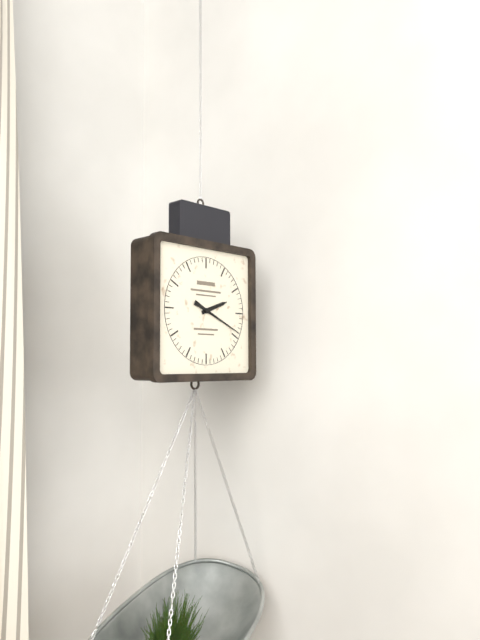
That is h=2 m=19
